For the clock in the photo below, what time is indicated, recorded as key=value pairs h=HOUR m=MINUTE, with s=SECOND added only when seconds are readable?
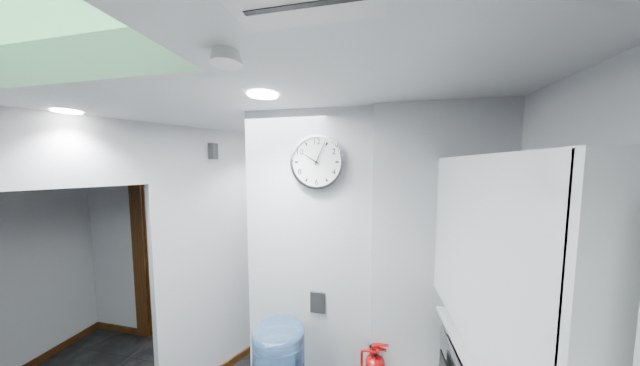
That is h=10 m=4
